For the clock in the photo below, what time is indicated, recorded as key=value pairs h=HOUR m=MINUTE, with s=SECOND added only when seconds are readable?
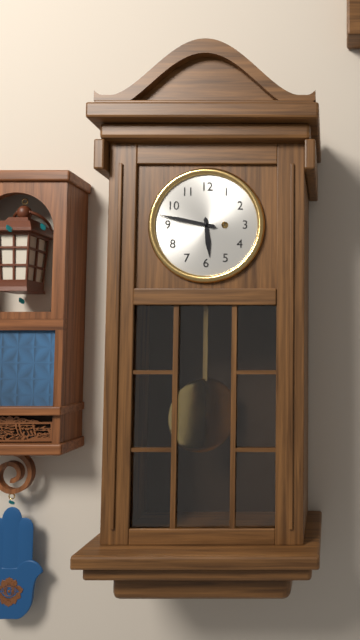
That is h=5 m=47
